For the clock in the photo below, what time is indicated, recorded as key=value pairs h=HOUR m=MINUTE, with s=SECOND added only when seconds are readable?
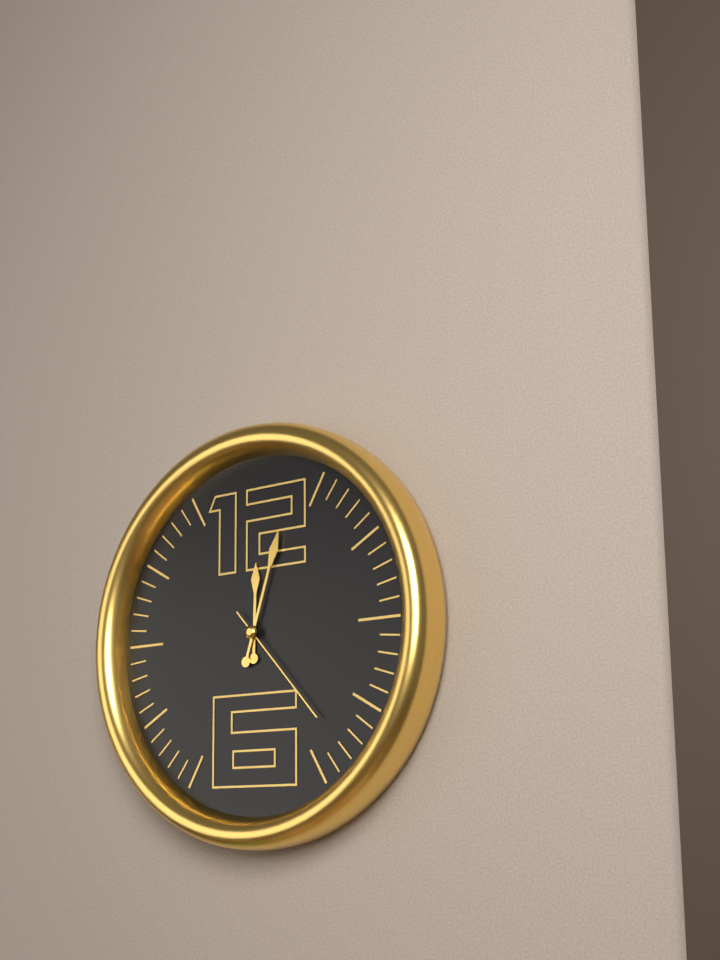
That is h=12 m=3 s=23
